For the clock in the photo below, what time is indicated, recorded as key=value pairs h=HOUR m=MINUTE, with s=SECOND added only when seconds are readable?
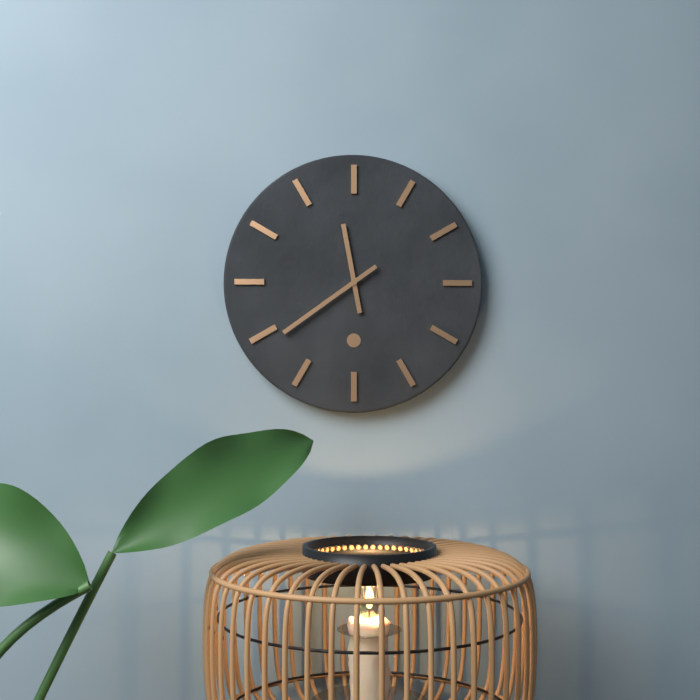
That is h=11 m=39
